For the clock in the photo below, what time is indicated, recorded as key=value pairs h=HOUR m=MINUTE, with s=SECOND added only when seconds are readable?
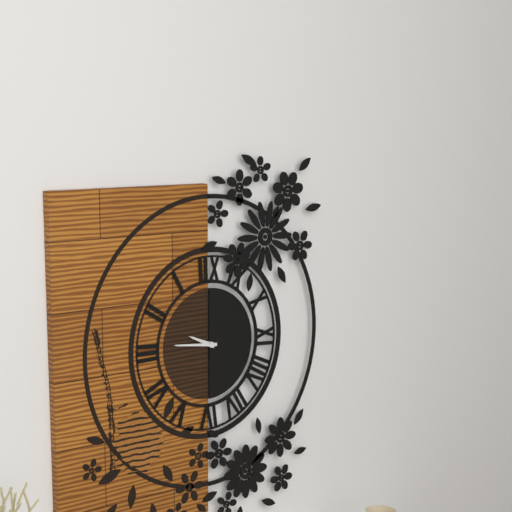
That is h=9 m=46
